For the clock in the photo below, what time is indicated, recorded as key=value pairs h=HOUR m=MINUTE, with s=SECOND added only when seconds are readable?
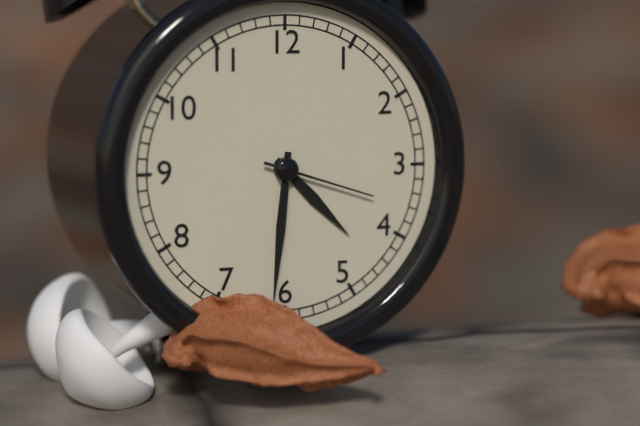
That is h=4 m=31 s=18
